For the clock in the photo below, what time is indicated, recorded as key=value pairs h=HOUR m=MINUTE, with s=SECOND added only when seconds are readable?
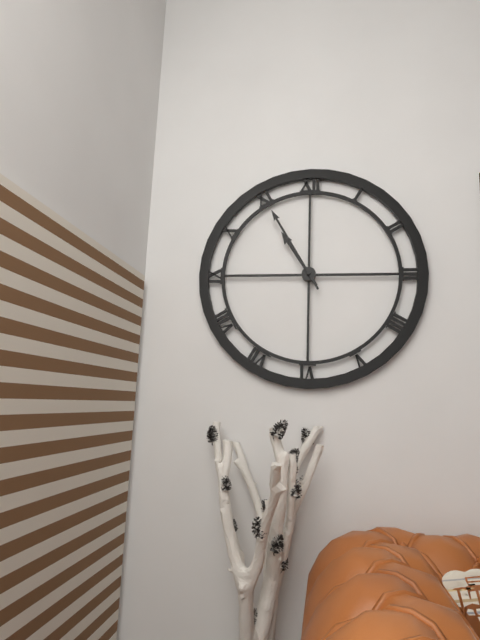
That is h=10 m=55
